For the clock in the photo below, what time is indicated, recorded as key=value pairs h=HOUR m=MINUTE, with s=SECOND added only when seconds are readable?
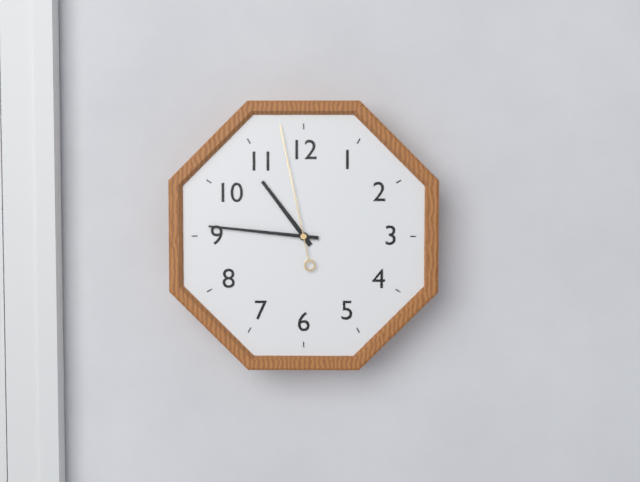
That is h=10 m=46 s=58
